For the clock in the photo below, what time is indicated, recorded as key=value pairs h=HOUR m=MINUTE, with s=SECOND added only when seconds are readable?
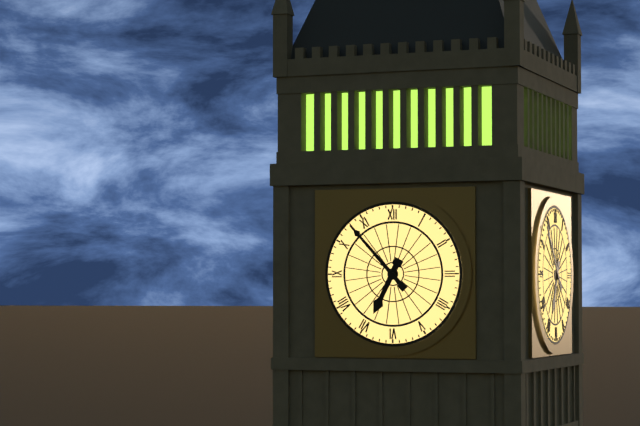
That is h=6 m=53
